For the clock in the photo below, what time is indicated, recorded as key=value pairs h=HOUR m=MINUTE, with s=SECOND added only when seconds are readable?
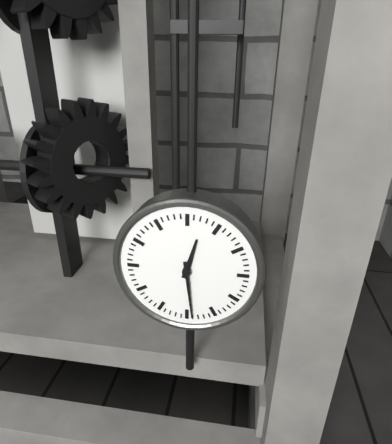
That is h=12 m=29
